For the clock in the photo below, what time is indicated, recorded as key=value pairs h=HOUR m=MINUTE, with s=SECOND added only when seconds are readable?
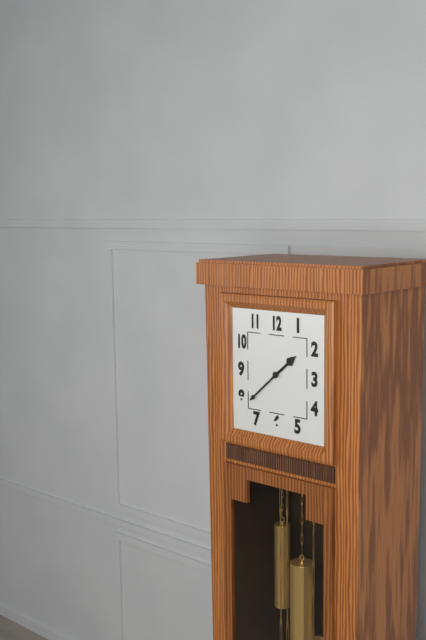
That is h=1 m=38
